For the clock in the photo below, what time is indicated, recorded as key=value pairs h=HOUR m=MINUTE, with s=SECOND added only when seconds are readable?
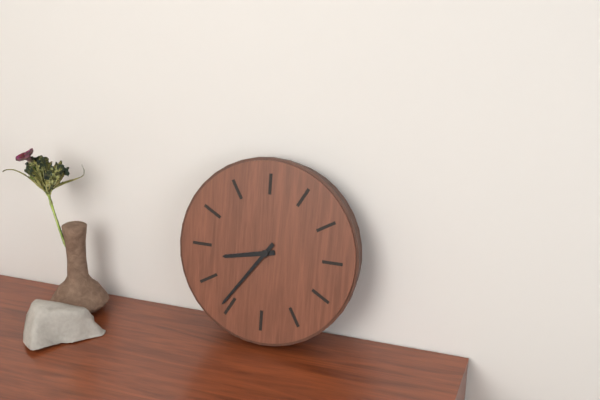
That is h=8 m=36
